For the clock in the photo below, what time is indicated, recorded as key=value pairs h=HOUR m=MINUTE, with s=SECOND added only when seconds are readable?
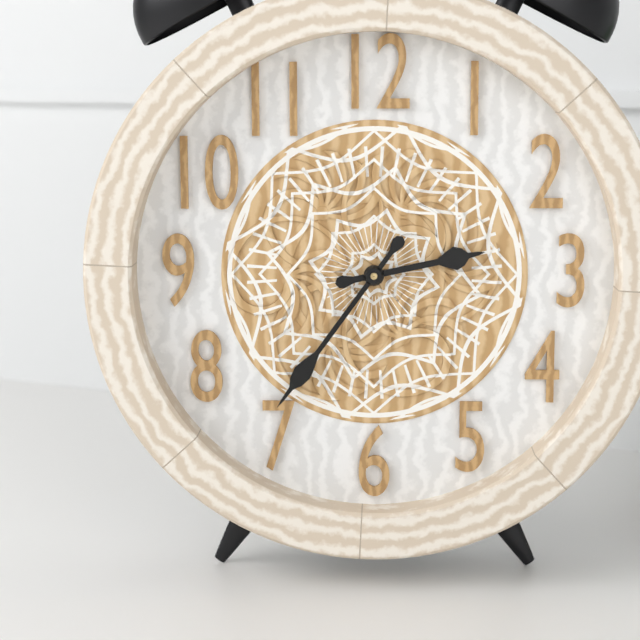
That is h=2 m=36
